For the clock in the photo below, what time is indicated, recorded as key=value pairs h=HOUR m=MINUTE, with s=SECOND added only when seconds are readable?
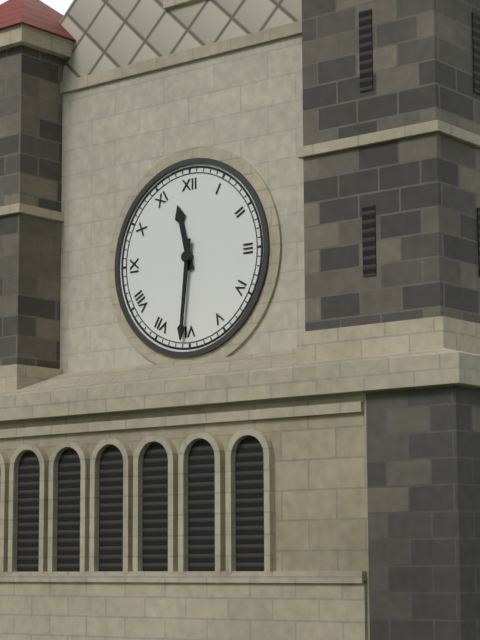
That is h=11 m=31
